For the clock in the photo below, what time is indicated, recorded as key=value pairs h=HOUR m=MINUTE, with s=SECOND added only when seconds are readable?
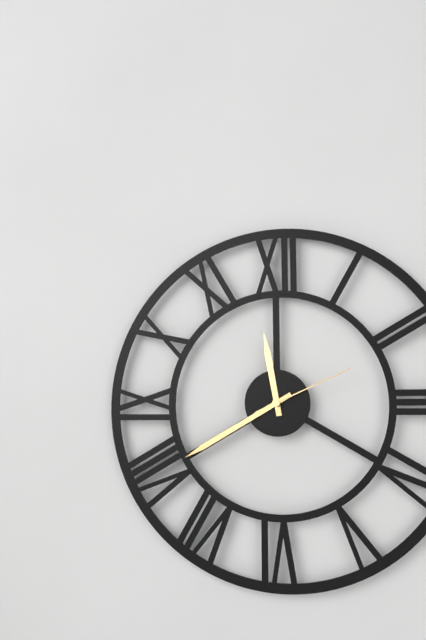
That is h=11 m=40 s=11
